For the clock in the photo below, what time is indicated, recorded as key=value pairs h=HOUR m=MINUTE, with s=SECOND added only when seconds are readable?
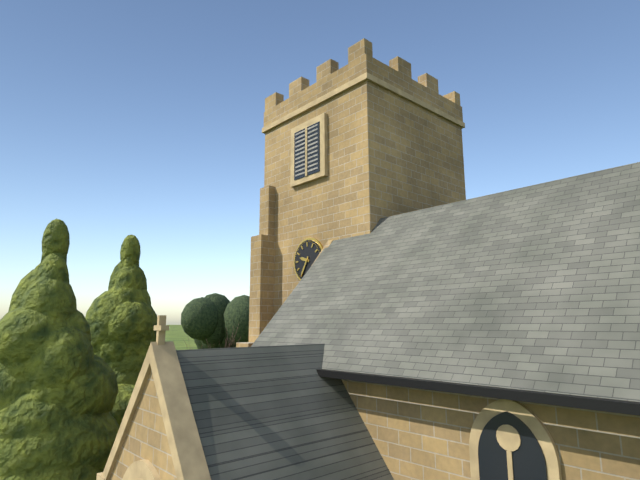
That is h=9 m=35
